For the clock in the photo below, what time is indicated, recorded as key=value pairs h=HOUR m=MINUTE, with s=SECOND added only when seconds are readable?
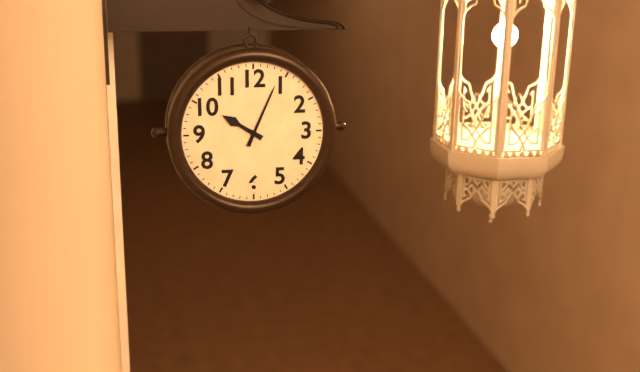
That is h=10 m=4
